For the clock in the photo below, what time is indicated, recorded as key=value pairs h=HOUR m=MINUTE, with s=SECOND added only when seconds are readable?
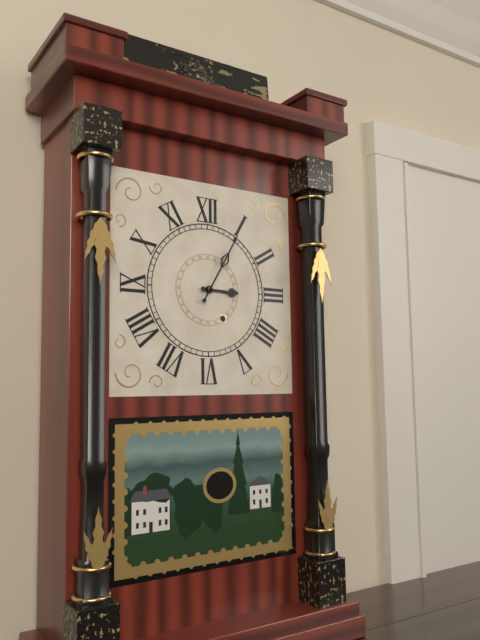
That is h=3 m=5
